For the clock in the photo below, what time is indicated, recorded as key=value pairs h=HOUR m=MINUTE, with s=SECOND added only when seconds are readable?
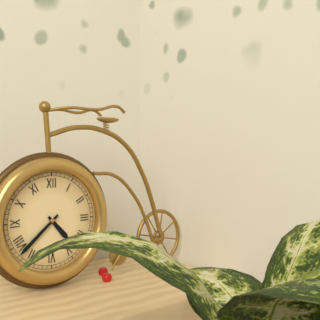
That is h=4 m=38
